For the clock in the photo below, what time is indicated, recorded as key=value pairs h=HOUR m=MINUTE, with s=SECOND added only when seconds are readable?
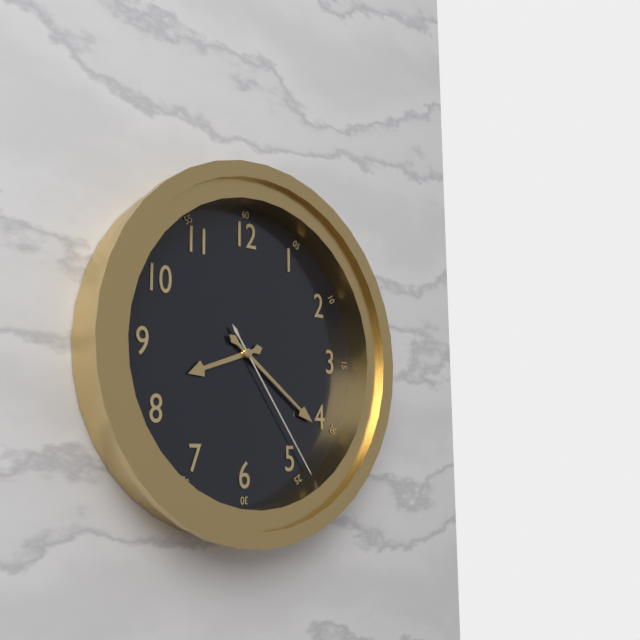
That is h=8 m=21 s=24
